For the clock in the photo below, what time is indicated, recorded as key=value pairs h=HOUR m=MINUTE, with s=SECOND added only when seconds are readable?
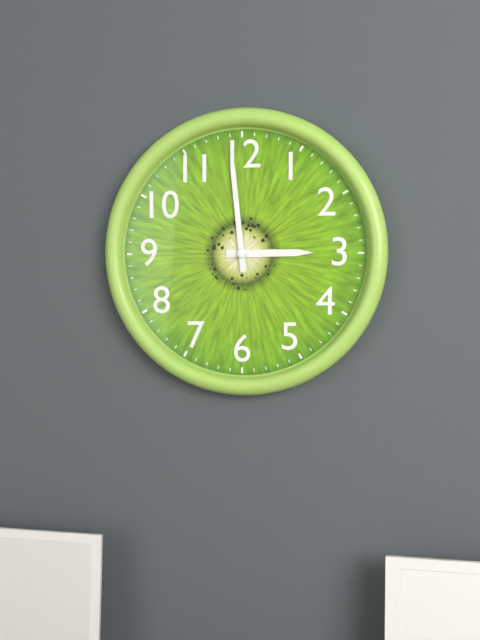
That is h=2 m=59
